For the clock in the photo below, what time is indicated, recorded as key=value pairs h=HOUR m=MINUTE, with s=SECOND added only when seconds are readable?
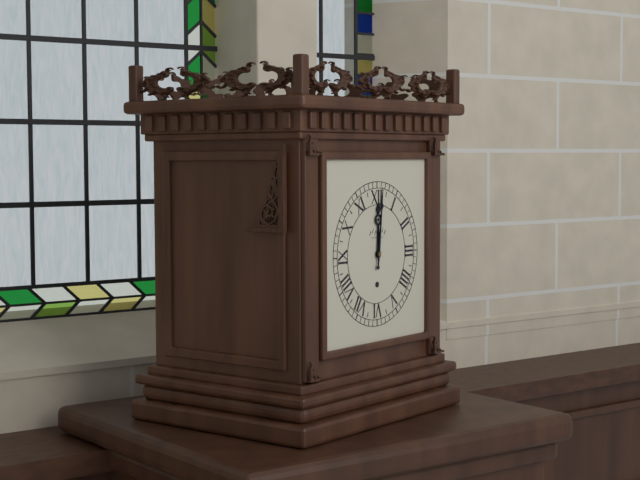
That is h=12 m=1
